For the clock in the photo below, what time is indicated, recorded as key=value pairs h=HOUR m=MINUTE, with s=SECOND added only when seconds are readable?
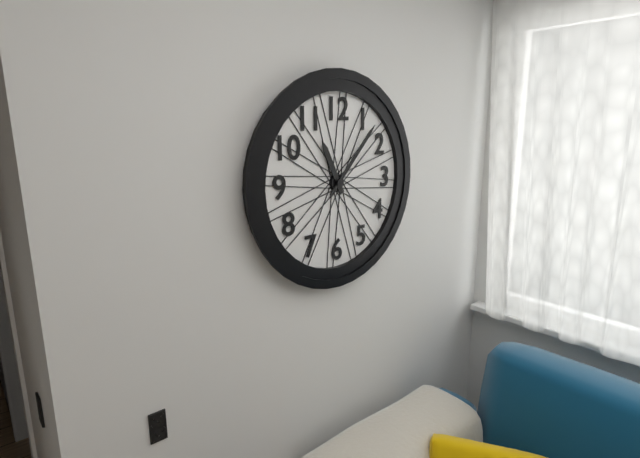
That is h=11 m=7
